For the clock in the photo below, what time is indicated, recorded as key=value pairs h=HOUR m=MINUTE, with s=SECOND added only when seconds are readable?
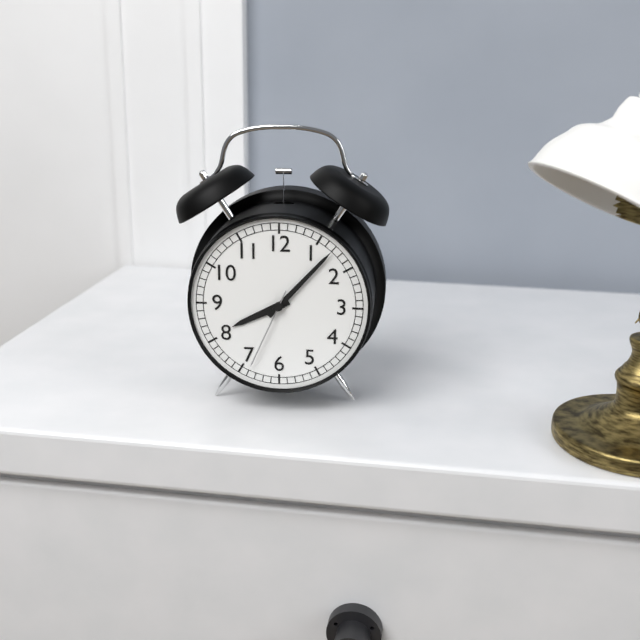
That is h=8 m=7 s=34
